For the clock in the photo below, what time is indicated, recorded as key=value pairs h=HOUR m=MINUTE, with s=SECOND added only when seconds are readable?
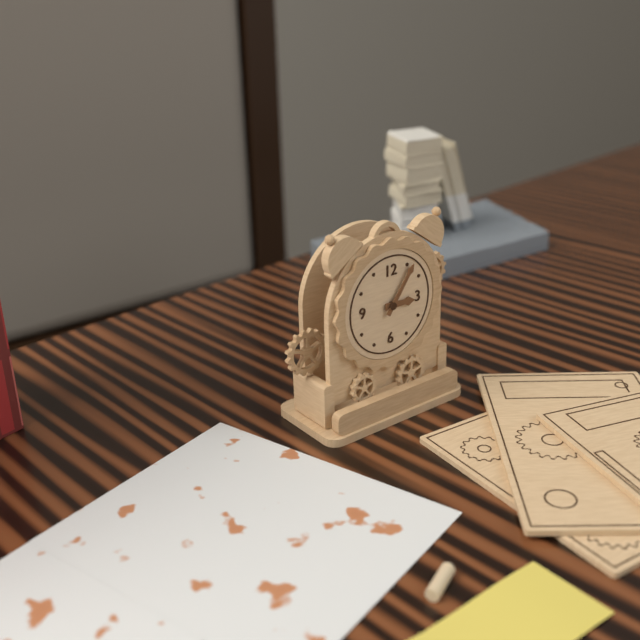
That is h=3 m=6
